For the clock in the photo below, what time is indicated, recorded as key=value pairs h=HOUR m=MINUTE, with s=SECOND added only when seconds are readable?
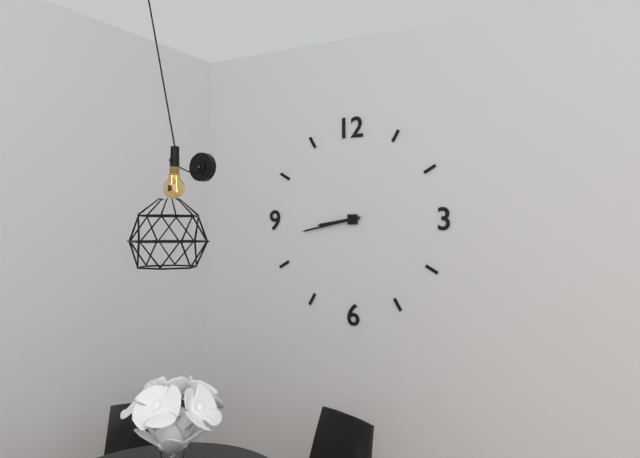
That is h=8 m=43
